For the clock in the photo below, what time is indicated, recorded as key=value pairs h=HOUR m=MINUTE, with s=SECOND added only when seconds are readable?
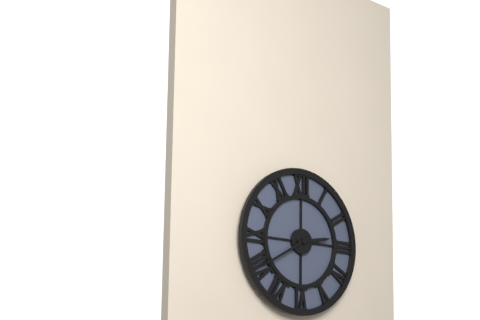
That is h=2 m=40
